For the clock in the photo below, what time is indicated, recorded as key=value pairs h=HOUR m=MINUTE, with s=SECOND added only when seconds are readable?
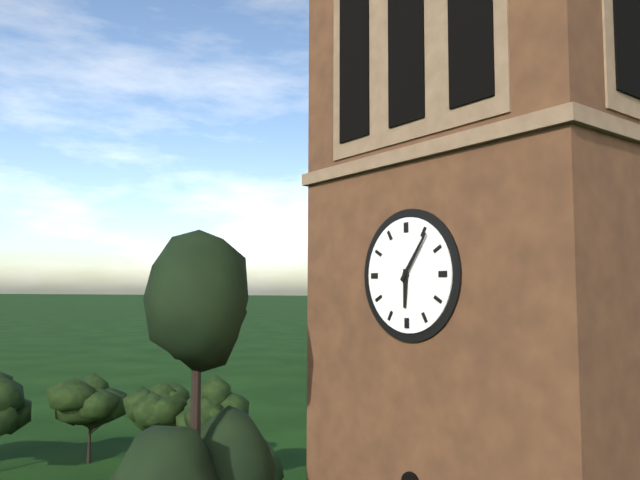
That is h=6 m=6
